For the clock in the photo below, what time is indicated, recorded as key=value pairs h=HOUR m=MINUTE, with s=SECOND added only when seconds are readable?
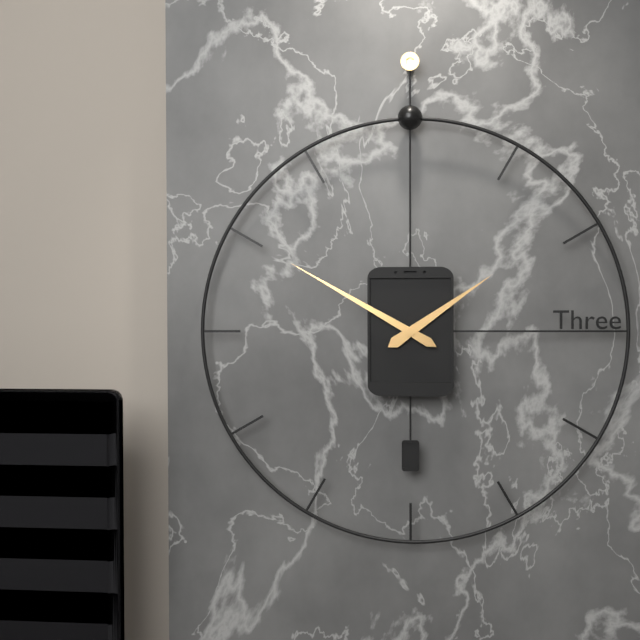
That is h=1 m=50
